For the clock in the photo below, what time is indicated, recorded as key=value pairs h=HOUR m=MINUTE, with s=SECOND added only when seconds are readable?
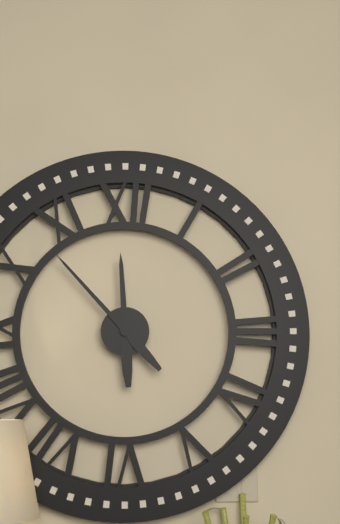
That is h=11 m=53
